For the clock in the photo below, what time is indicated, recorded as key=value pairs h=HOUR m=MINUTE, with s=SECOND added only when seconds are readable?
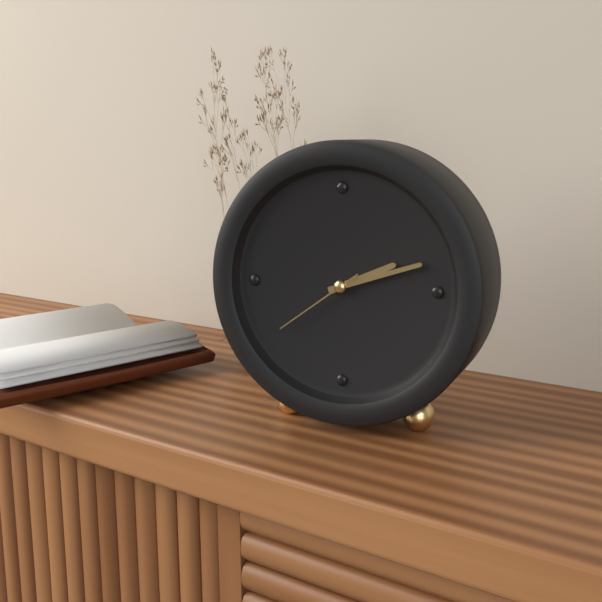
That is h=2 m=12 s=39
